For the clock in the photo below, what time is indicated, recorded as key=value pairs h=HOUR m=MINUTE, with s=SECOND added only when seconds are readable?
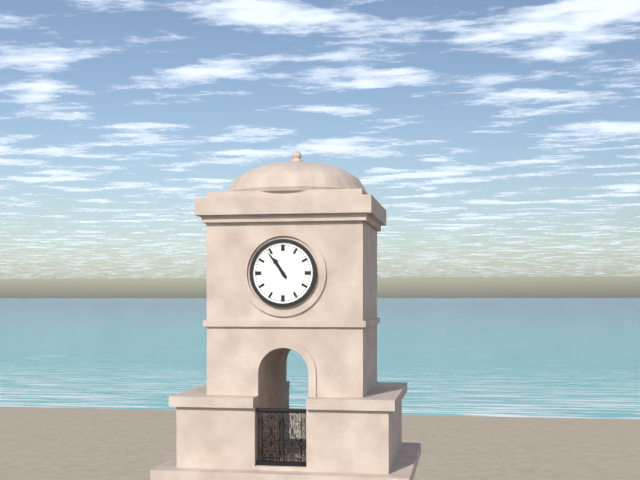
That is h=10 m=54
